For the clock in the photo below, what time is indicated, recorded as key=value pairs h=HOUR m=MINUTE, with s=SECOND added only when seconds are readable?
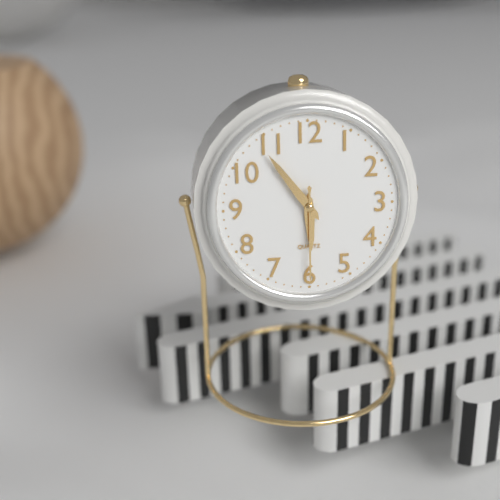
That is h=5 m=54 s=30
